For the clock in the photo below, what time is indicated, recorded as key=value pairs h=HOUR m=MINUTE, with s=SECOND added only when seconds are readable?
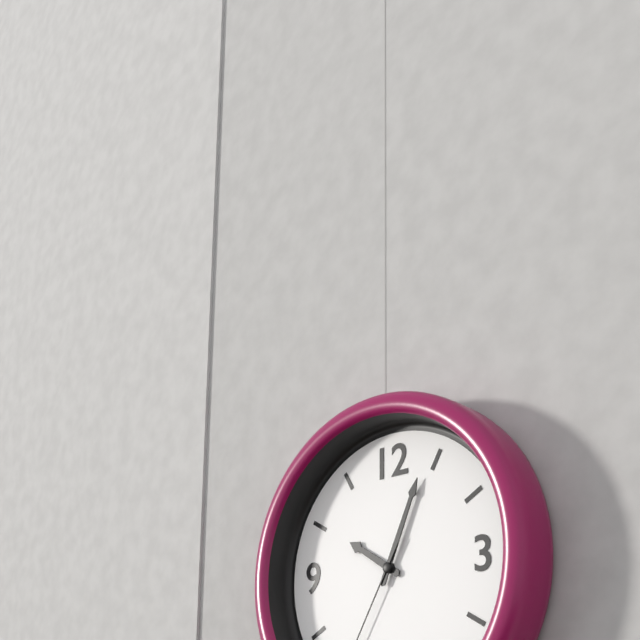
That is h=10 m=4
